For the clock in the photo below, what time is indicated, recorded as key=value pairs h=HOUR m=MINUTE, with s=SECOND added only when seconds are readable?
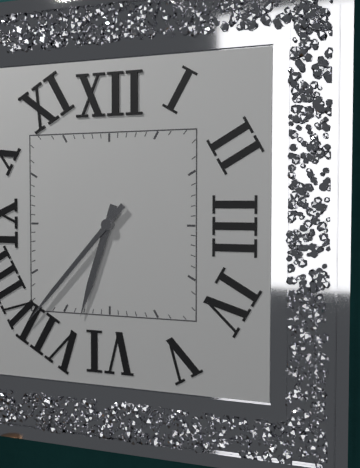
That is h=6 m=37
